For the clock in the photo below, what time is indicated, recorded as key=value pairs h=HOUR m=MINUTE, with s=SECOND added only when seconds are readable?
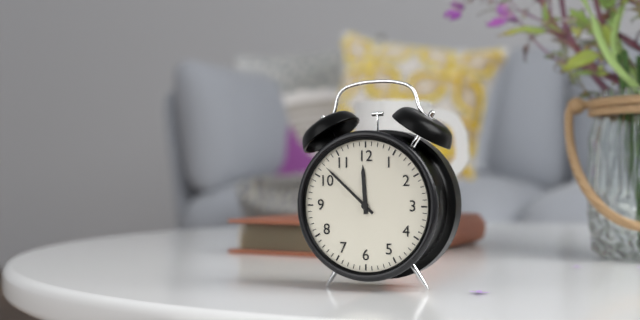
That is h=11 m=52
